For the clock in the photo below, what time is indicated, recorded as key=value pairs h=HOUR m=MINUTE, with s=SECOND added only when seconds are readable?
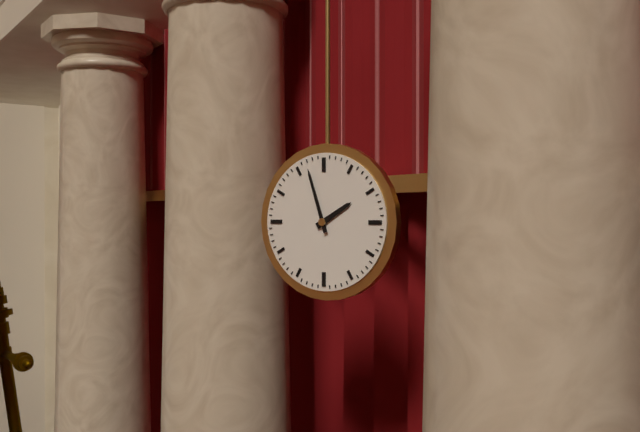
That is h=1 m=57
